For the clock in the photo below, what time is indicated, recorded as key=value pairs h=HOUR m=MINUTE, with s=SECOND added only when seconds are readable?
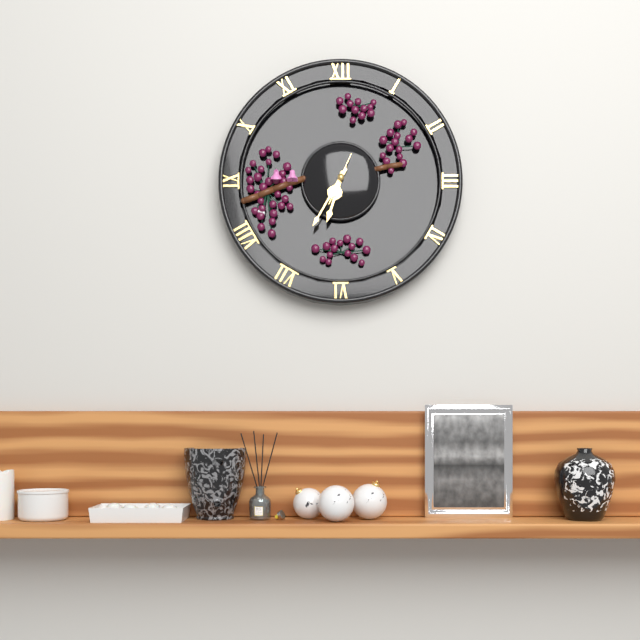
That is h=6 m=35
